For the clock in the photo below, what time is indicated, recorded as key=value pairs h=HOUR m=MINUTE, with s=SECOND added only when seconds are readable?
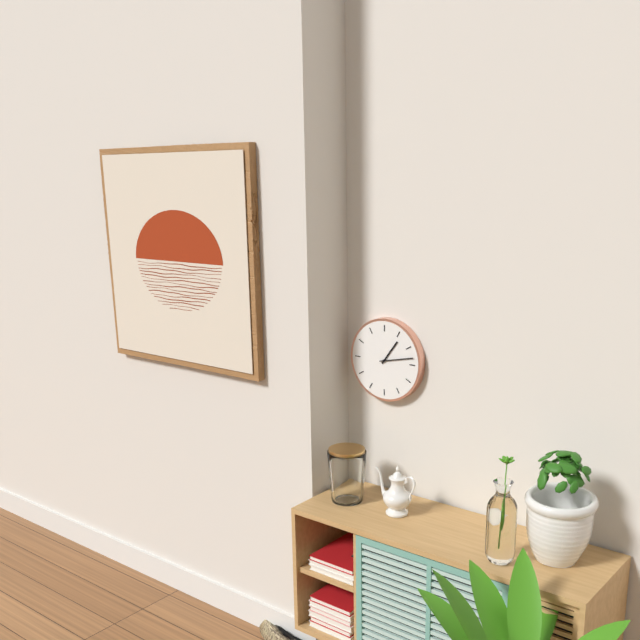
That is h=1 m=13
